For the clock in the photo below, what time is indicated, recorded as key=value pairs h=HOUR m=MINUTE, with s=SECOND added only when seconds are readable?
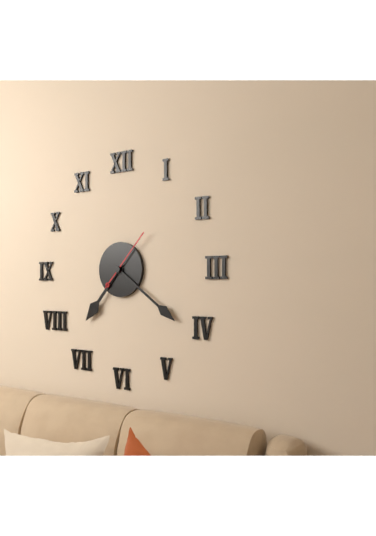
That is h=7 m=21 s=7
